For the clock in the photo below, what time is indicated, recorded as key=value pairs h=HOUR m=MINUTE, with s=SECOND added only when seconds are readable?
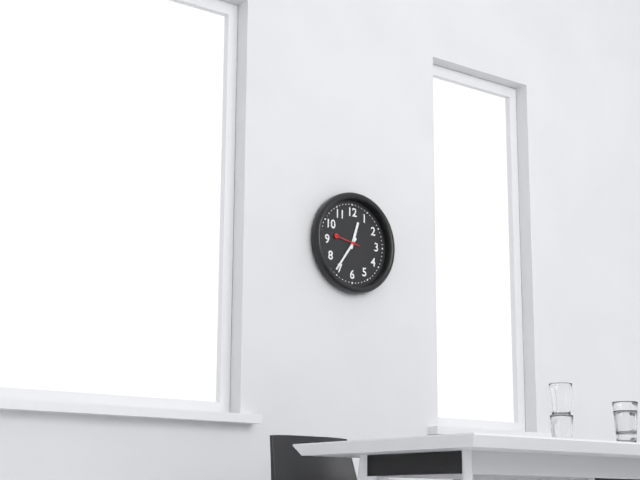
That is h=12 m=36
